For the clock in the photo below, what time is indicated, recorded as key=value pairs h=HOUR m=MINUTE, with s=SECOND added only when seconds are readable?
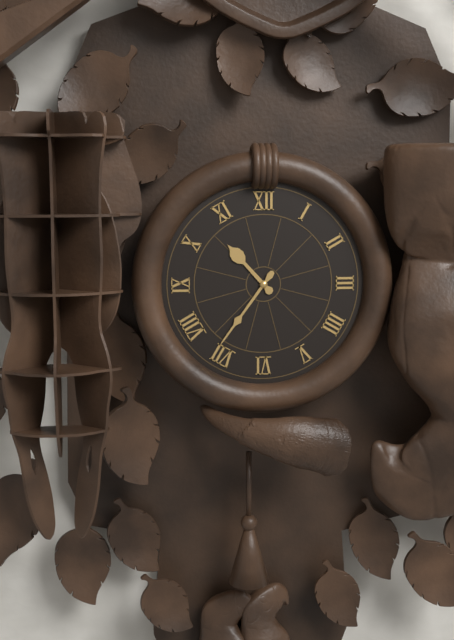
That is h=10 m=36
